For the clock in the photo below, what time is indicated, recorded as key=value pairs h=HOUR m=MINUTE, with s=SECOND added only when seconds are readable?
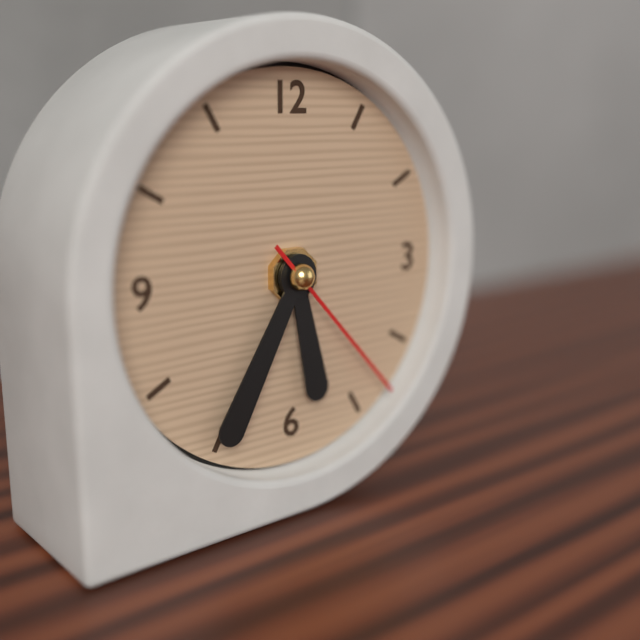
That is h=5 m=35 s=23
